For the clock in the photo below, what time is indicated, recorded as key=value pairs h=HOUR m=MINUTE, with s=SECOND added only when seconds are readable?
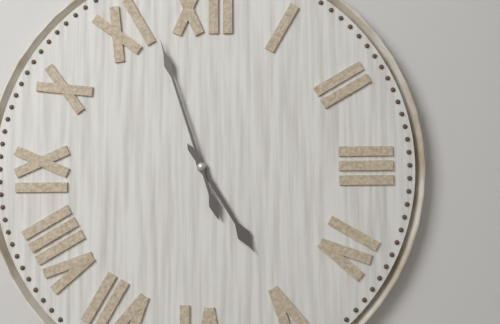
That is h=4 m=57
